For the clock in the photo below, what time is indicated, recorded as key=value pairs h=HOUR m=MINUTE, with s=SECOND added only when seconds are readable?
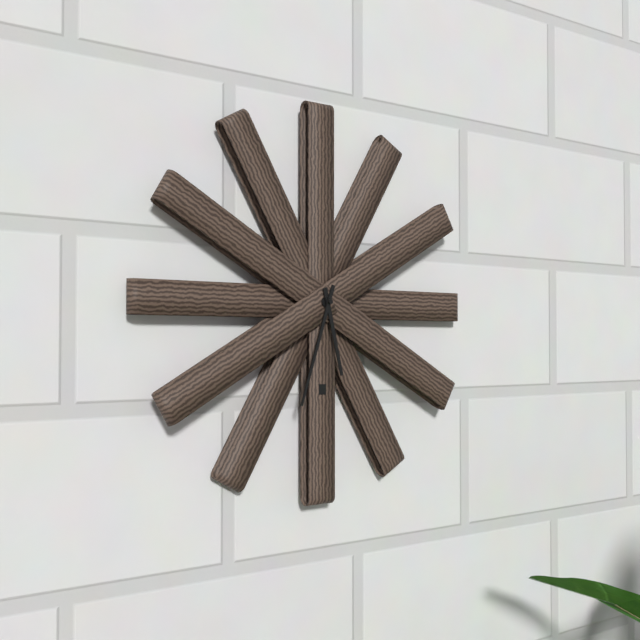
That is h=5 m=33
